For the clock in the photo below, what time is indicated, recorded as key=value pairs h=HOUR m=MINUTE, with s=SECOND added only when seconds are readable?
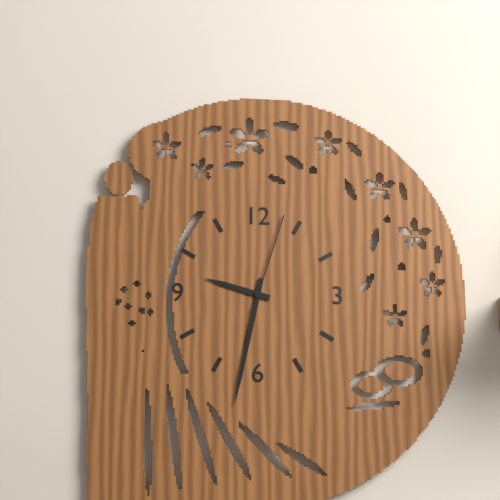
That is h=9 m=32 s=3
